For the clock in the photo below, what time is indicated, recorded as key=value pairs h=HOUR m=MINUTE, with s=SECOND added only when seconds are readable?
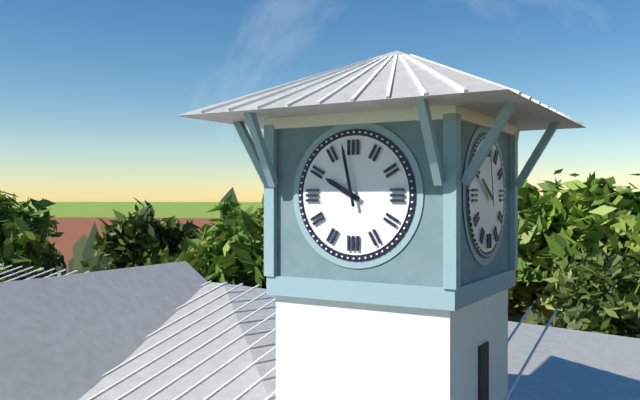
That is h=9 m=58
